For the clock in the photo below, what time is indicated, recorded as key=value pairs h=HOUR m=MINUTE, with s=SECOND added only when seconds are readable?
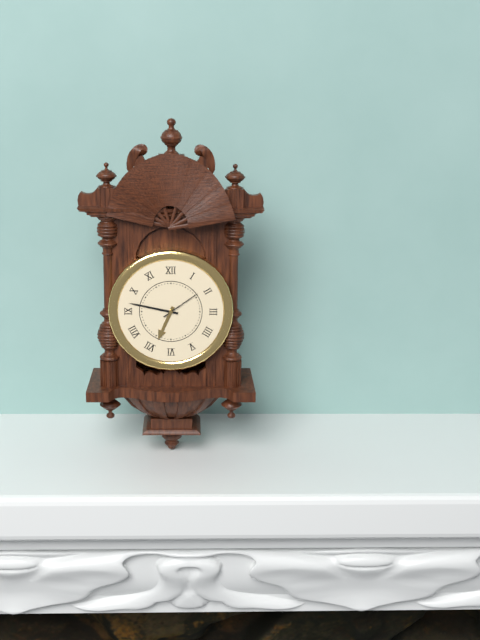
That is h=6 m=47
